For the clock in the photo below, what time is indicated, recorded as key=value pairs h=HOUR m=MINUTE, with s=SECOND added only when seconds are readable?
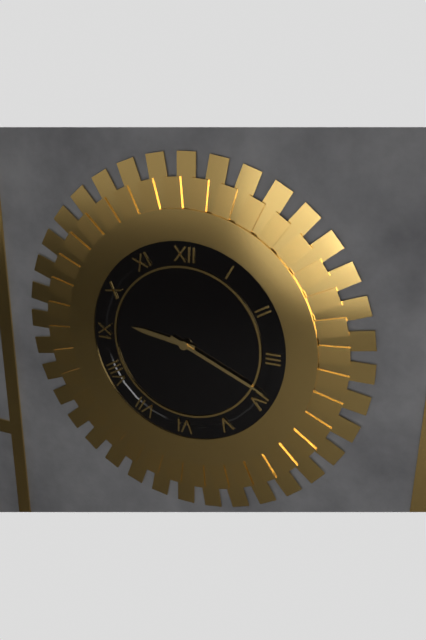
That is h=9 m=19
